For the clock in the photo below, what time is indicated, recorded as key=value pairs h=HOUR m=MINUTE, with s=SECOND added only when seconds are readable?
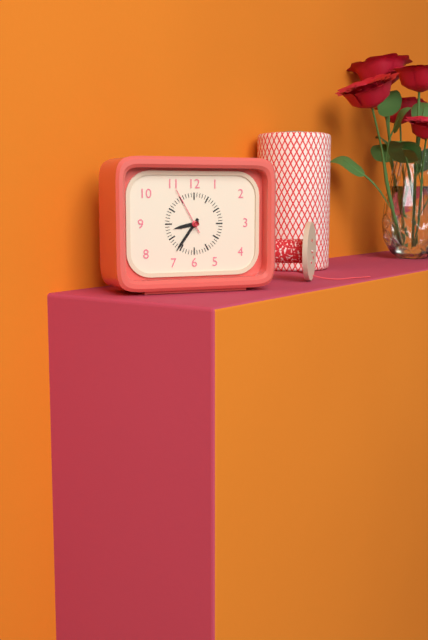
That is h=8 m=36
